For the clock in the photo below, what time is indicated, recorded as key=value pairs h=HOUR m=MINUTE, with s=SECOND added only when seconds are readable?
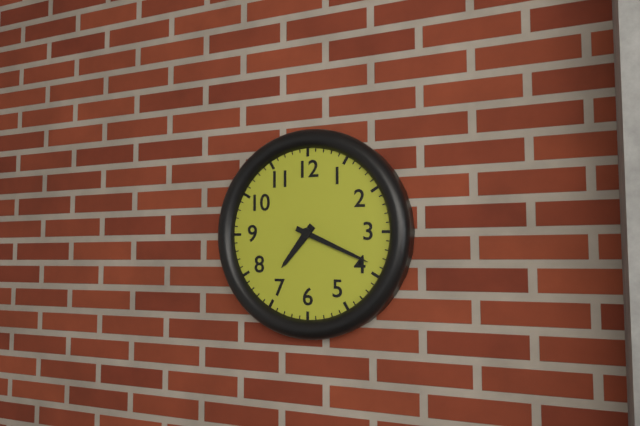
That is h=7 m=19
